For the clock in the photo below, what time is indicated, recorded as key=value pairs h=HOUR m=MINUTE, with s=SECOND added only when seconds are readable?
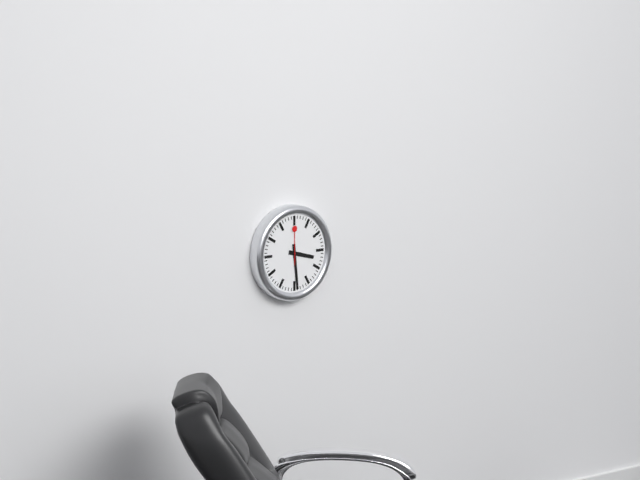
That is h=3 m=29
